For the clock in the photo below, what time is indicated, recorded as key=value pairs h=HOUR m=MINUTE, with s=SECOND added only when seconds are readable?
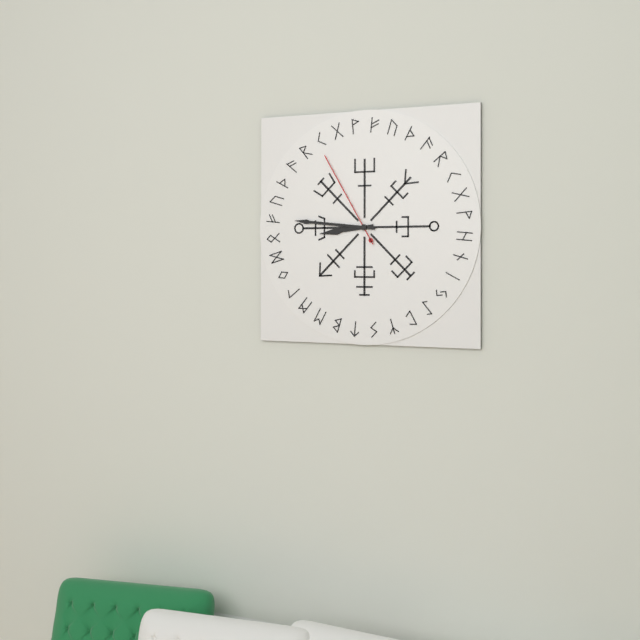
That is h=8 m=46 s=55
